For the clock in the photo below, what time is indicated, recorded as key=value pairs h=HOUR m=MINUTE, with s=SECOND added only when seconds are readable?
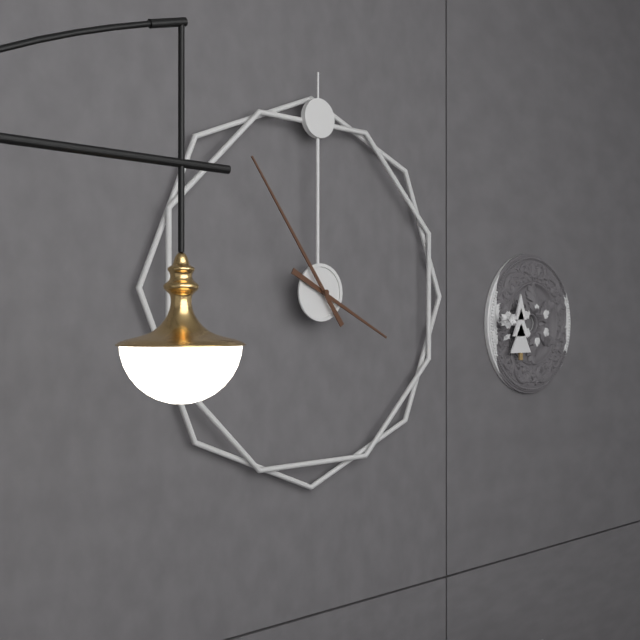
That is h=3 m=54
